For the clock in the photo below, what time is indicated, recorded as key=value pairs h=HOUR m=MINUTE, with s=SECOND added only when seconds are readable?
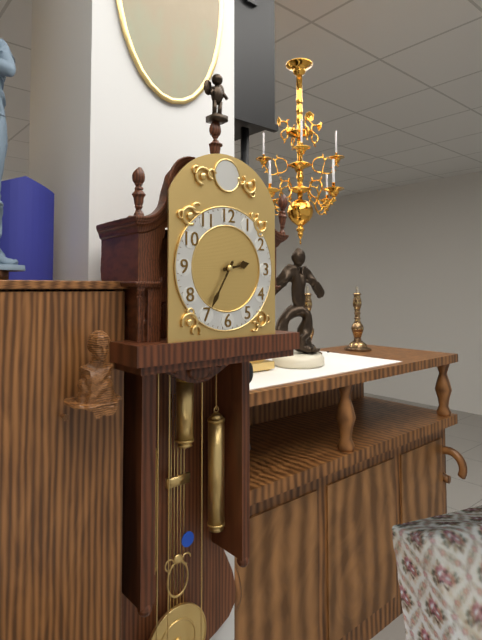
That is h=2 m=35
